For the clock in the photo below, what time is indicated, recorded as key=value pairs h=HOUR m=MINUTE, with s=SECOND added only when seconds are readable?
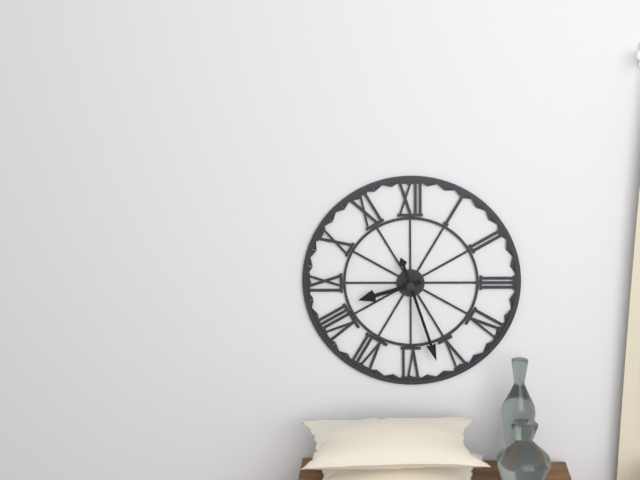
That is h=8 m=27
